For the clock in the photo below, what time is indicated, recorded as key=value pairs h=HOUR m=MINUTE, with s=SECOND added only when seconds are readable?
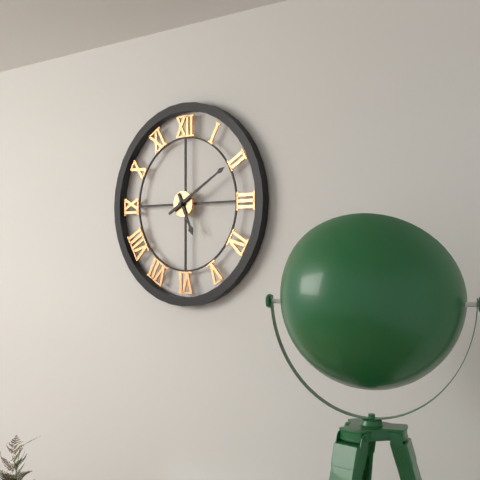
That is h=5 m=10
